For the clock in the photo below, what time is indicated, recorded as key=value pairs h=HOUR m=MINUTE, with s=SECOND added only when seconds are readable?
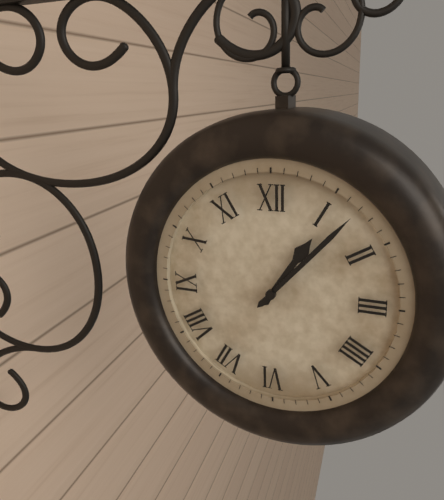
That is h=1 m=7
